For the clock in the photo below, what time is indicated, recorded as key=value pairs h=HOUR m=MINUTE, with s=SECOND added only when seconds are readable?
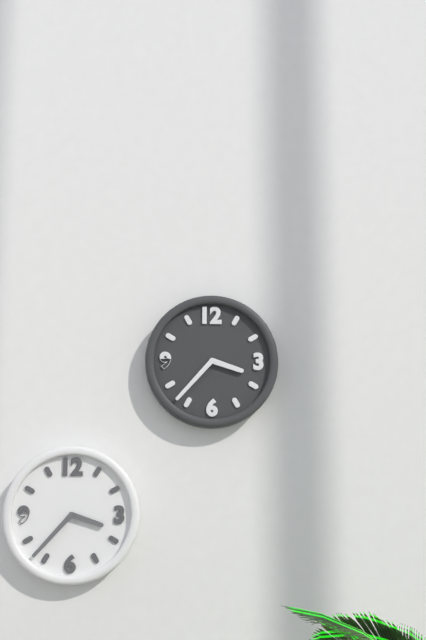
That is h=3 m=37
